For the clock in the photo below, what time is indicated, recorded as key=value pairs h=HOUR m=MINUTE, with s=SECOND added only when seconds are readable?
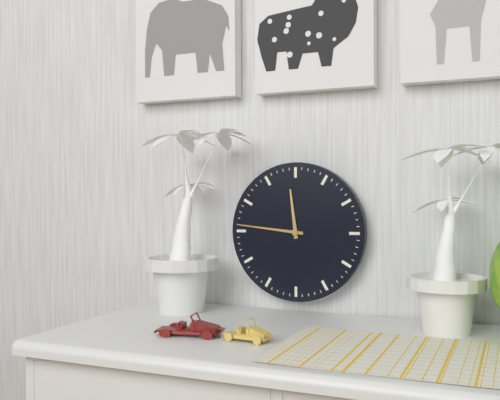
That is h=11 m=46
